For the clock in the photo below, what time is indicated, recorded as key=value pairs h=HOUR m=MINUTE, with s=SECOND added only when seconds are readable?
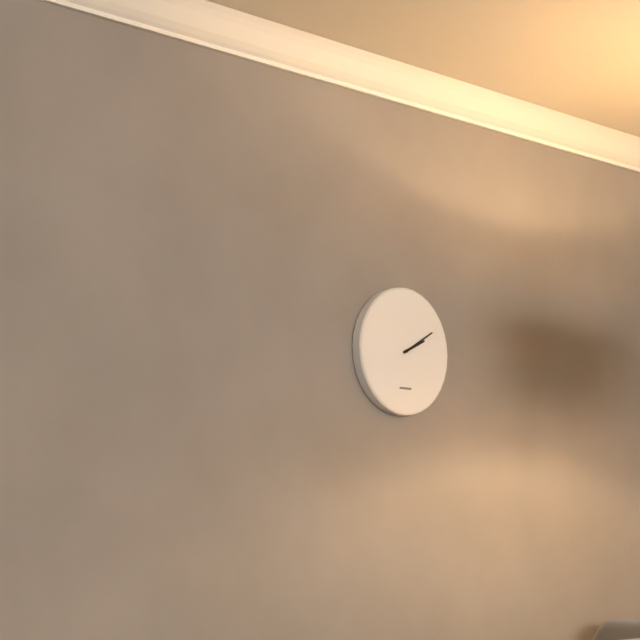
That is h=2 m=10
